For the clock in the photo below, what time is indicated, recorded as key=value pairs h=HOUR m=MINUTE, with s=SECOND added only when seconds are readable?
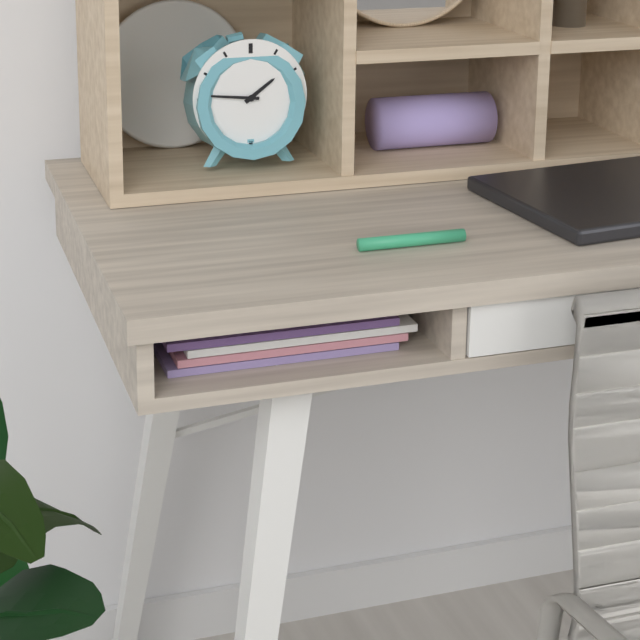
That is h=1 m=46
